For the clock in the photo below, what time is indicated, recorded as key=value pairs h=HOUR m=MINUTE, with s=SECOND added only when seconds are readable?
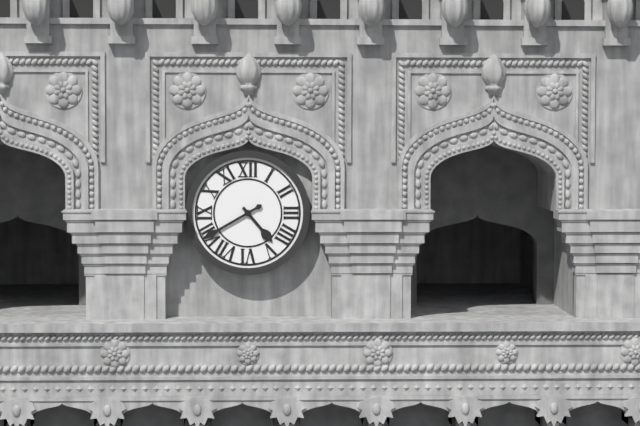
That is h=4 m=40
